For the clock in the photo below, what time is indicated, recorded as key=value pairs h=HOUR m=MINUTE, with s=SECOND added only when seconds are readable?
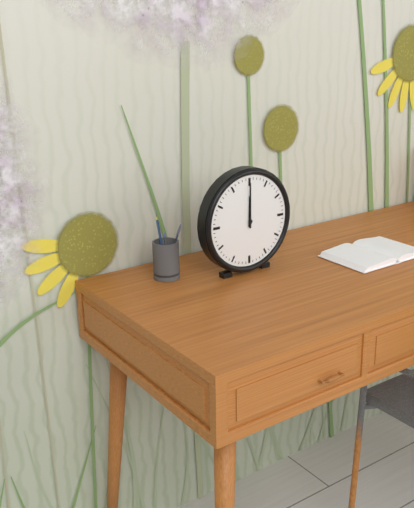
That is h=12 m=0
